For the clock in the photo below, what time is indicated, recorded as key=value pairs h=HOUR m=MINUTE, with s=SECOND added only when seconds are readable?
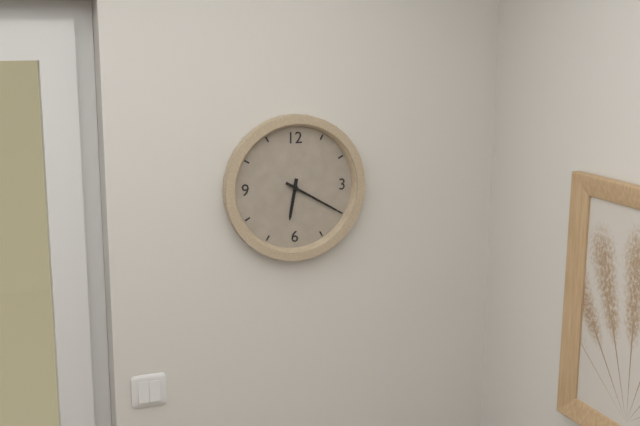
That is h=6 m=20
